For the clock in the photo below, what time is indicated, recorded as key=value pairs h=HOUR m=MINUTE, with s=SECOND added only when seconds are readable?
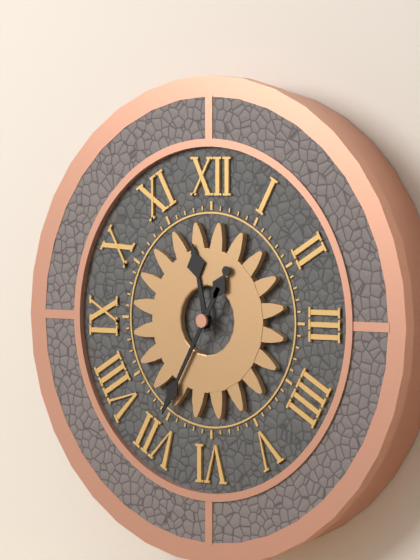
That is h=11 m=35
